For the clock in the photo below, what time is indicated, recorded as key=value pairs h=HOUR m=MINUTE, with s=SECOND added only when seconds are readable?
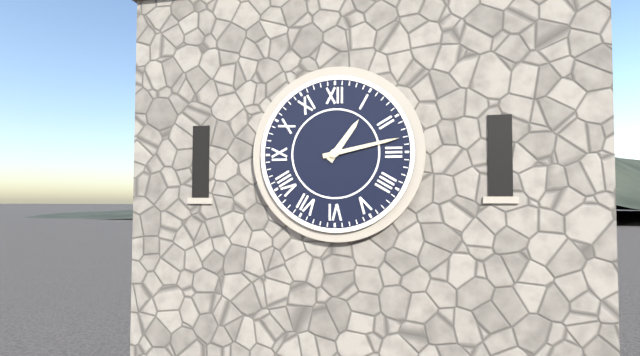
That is h=1 m=13
